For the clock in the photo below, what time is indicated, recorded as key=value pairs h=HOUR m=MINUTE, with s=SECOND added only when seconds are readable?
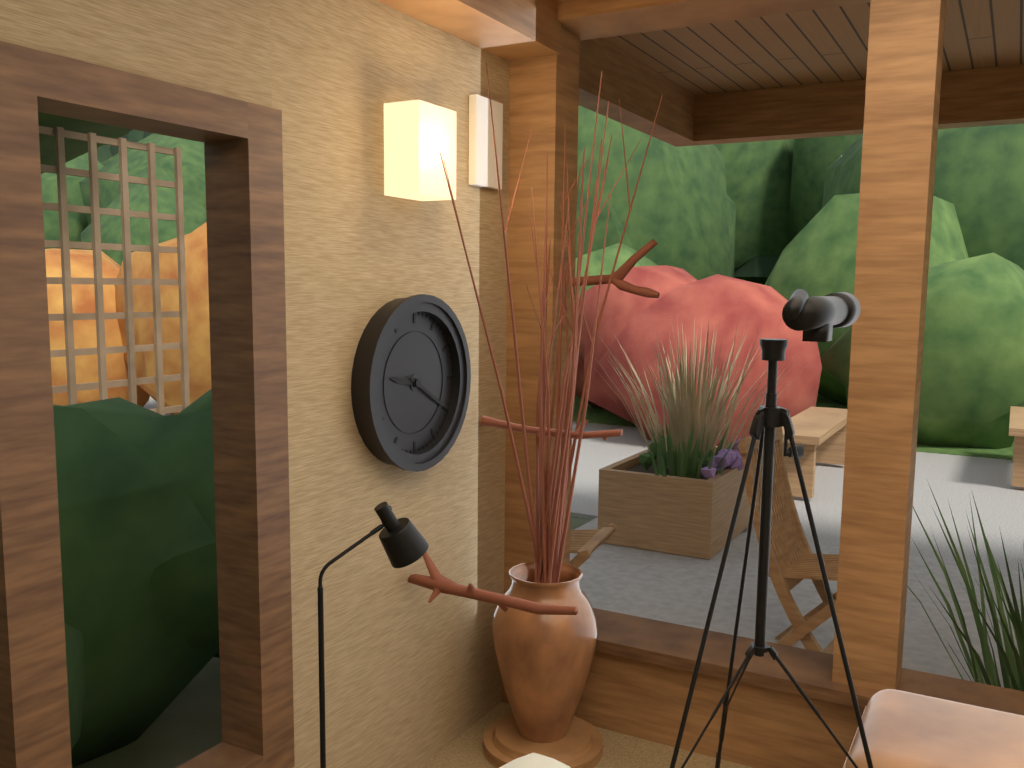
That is h=9 m=20
